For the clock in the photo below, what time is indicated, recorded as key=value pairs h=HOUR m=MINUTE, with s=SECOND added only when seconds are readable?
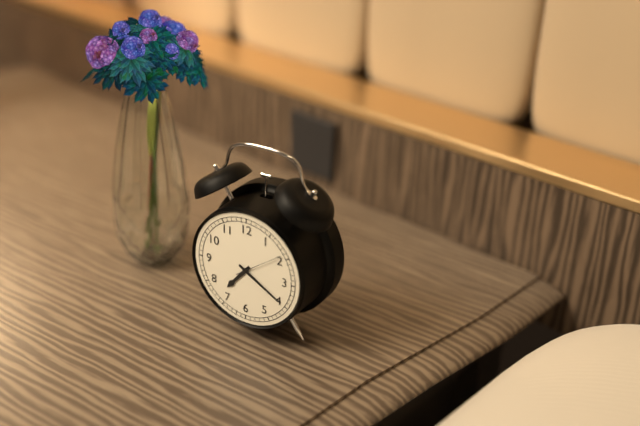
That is h=7 m=20
